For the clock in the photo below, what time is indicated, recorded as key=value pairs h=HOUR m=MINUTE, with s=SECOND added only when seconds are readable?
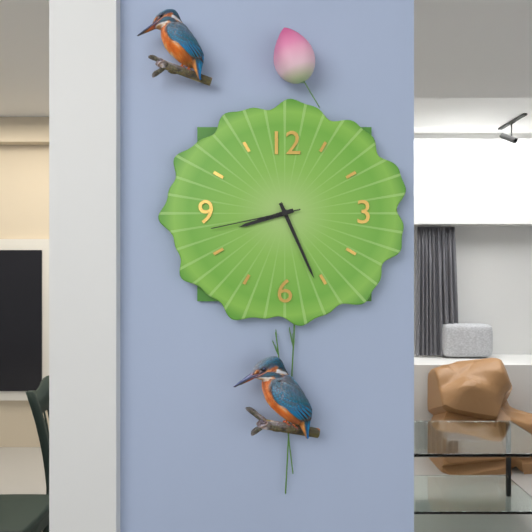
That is h=8 m=26 s=43
